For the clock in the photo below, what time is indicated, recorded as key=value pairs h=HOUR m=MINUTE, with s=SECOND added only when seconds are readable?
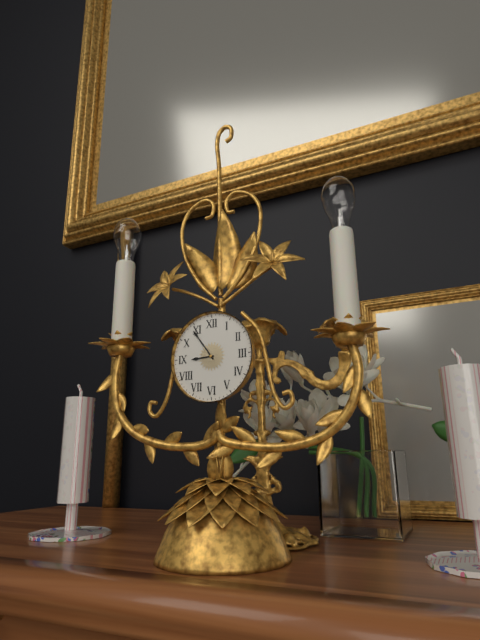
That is h=8 m=54
